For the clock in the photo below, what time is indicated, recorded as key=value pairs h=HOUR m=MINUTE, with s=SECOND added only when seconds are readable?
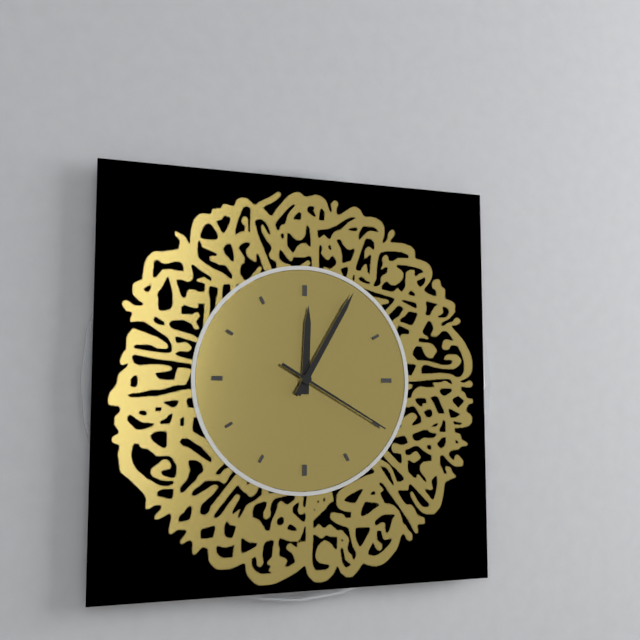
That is h=12 m=5 s=20
